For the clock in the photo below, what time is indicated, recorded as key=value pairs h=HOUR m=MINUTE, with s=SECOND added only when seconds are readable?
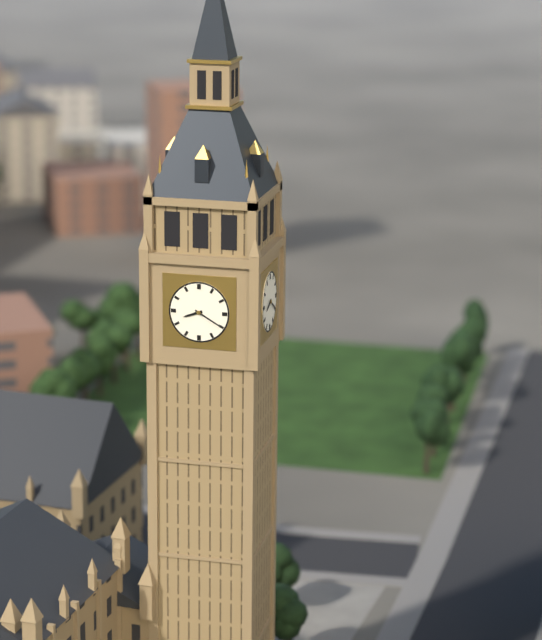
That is h=8 m=20
